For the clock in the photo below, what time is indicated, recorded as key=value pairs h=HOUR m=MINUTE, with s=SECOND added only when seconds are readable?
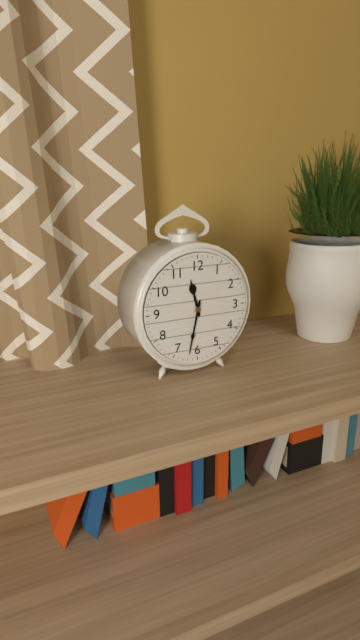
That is h=11 m=32
